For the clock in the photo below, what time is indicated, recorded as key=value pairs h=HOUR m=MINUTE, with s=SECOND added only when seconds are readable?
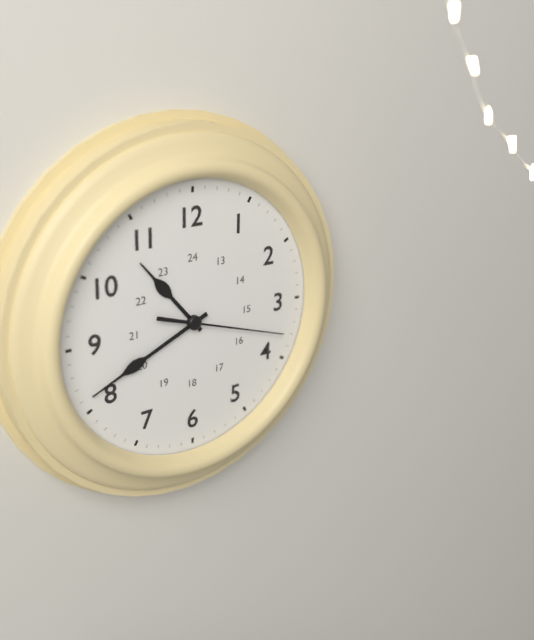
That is h=10 m=41 s=18
